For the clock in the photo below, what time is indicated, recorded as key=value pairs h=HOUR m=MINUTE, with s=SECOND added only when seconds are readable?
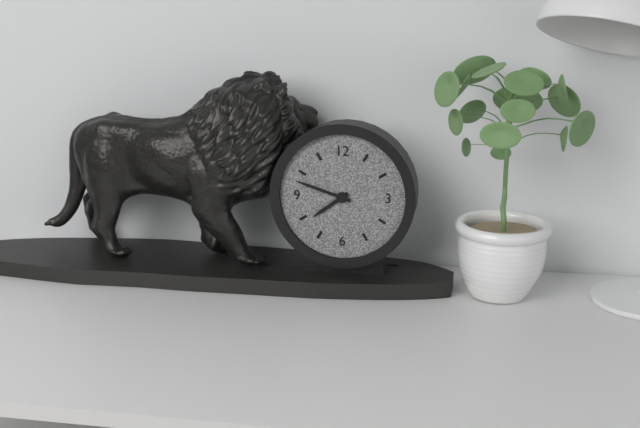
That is h=7 m=48
